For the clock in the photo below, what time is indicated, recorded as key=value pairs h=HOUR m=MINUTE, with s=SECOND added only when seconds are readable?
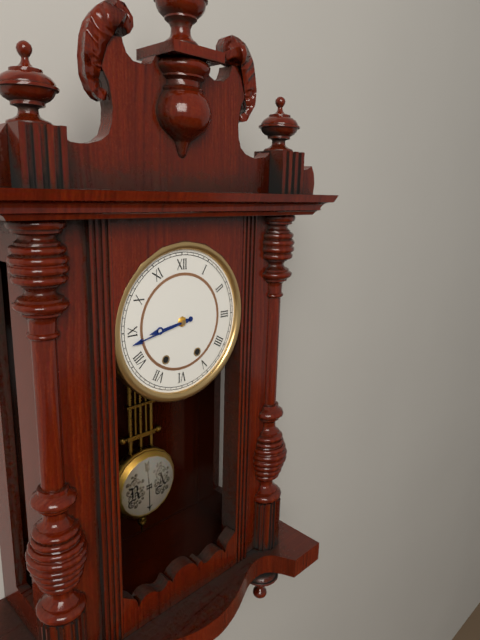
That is h=8 m=43
